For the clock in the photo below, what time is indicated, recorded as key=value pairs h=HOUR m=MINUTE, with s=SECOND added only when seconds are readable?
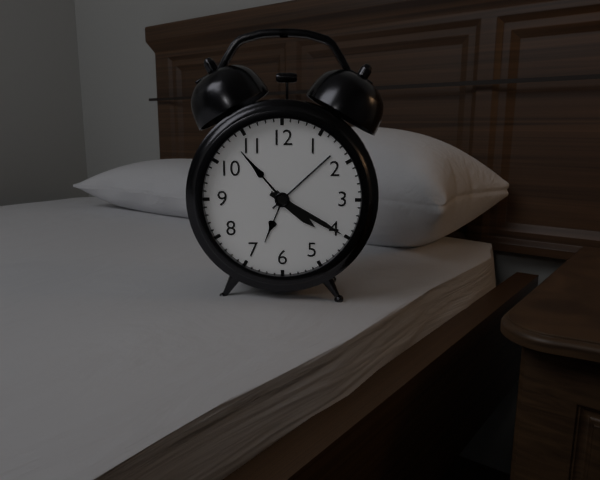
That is h=4 m=20
